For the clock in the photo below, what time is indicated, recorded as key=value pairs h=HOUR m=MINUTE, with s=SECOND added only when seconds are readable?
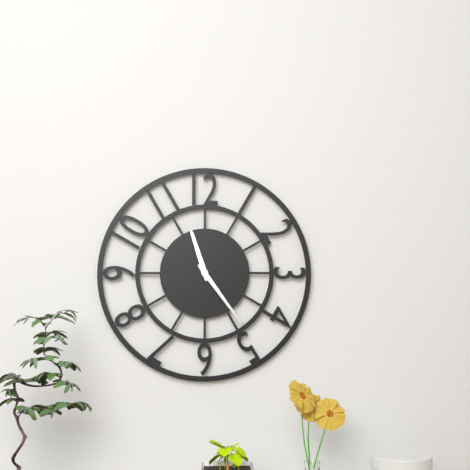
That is h=11 m=24
